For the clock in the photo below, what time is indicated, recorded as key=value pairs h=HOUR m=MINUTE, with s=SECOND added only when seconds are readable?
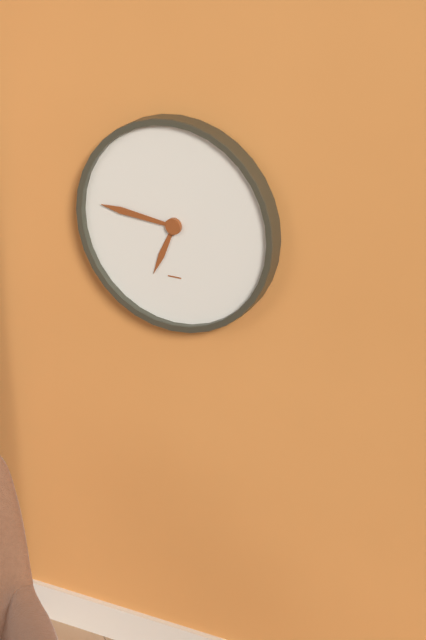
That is h=6 m=46
